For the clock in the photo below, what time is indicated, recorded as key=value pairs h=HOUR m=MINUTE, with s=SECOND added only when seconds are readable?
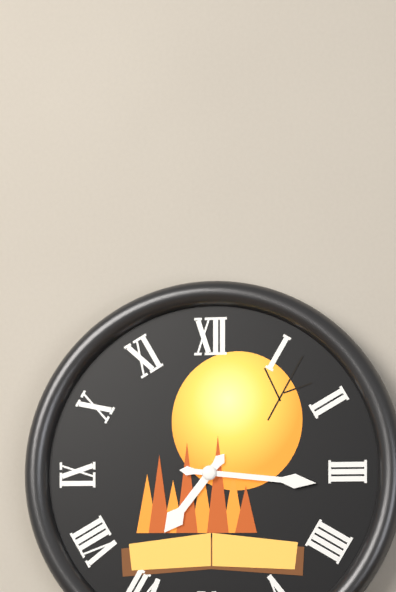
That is h=7 m=16
